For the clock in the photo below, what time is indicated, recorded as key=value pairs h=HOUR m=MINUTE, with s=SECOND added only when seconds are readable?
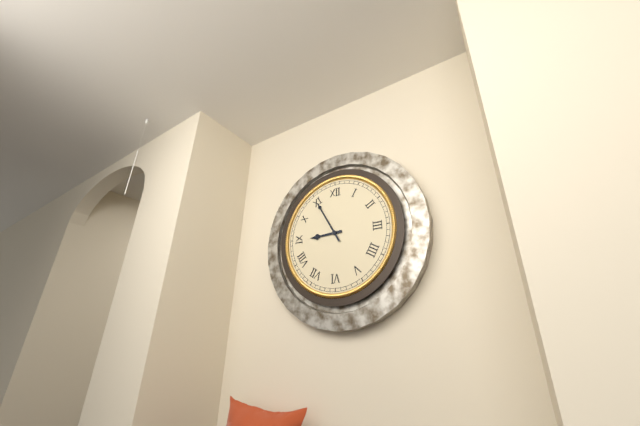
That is h=8 m=55
